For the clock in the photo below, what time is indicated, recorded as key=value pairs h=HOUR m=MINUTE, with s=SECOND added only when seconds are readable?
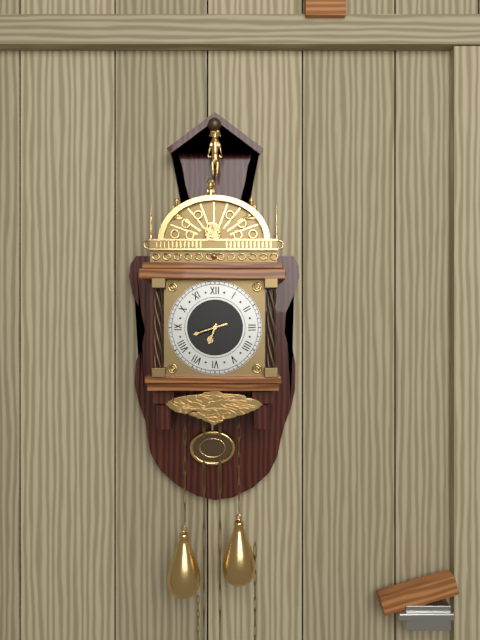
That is h=6 m=42
